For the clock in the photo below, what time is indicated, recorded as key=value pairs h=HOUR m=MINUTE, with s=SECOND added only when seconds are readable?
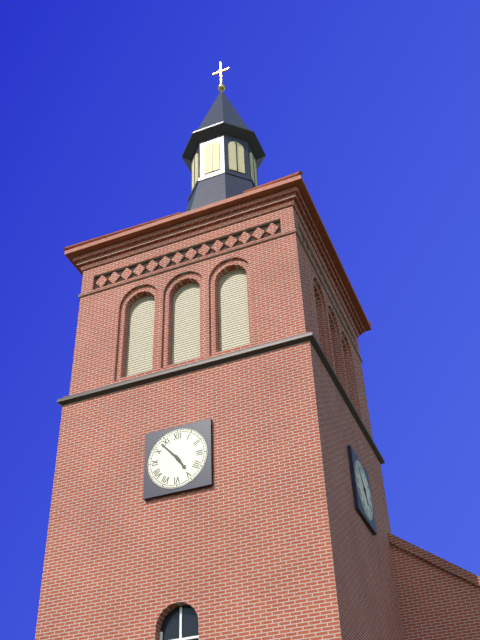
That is h=4 m=53
